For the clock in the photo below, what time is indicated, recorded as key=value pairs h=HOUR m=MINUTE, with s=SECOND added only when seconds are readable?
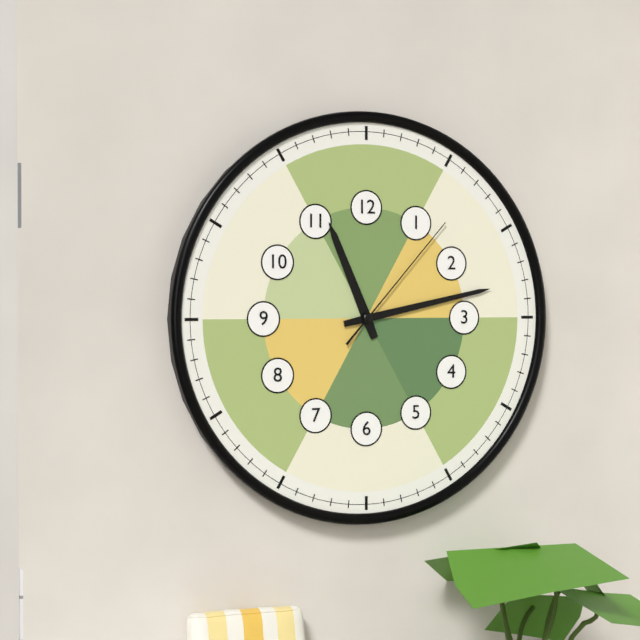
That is h=11 m=13 s=7
